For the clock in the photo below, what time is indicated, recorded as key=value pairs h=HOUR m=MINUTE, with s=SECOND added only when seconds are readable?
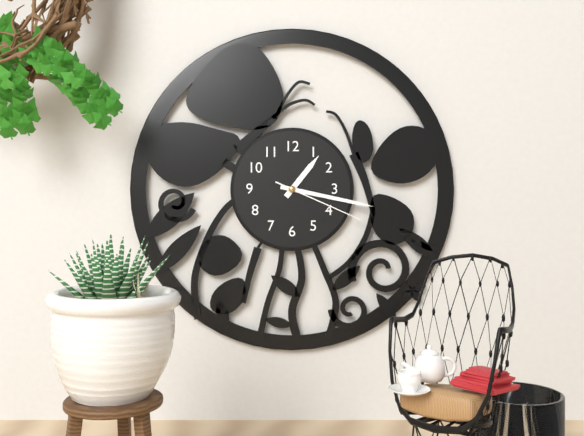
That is h=1 m=17 s=19
